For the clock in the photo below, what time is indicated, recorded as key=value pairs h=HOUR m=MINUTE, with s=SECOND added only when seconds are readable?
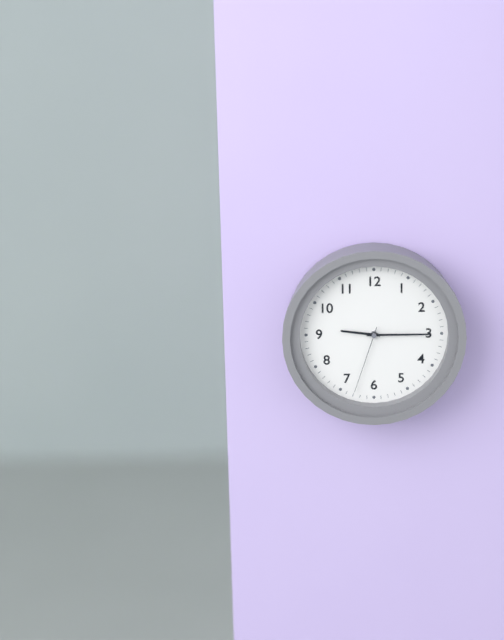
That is h=9 m=15 s=33
